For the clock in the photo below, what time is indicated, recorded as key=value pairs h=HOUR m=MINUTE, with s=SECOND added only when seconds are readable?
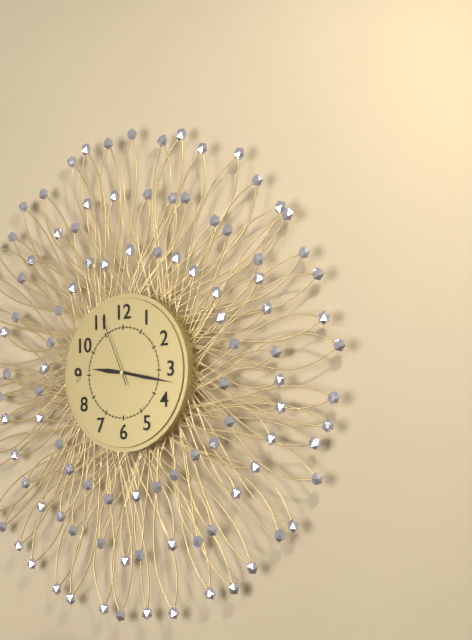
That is h=9 m=17 s=56
